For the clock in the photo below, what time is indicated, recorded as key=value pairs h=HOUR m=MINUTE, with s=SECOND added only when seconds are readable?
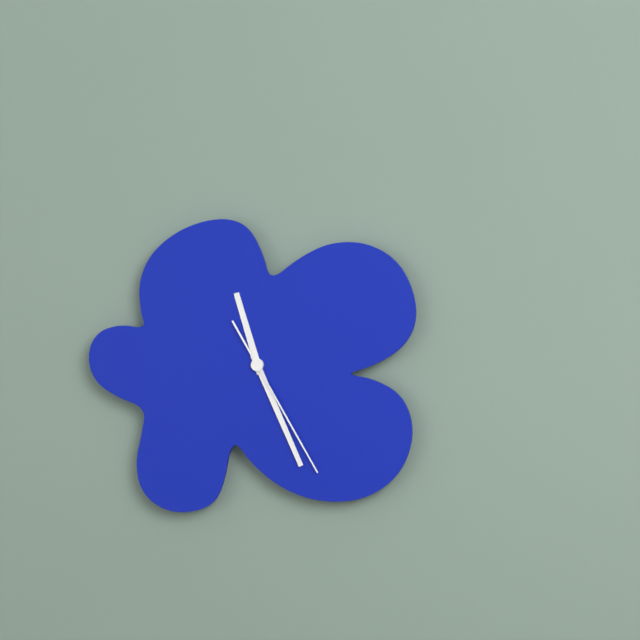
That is h=11 m=26 s=25
